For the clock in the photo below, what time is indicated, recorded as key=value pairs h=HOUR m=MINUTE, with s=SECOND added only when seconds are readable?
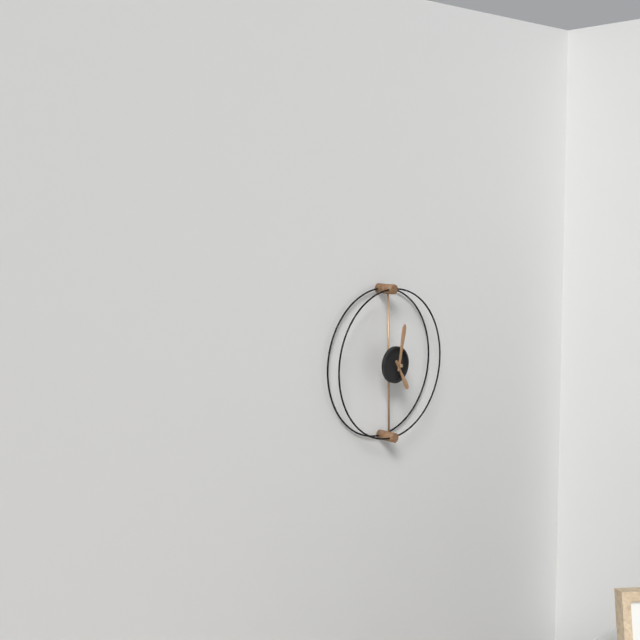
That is h=5 m=2
